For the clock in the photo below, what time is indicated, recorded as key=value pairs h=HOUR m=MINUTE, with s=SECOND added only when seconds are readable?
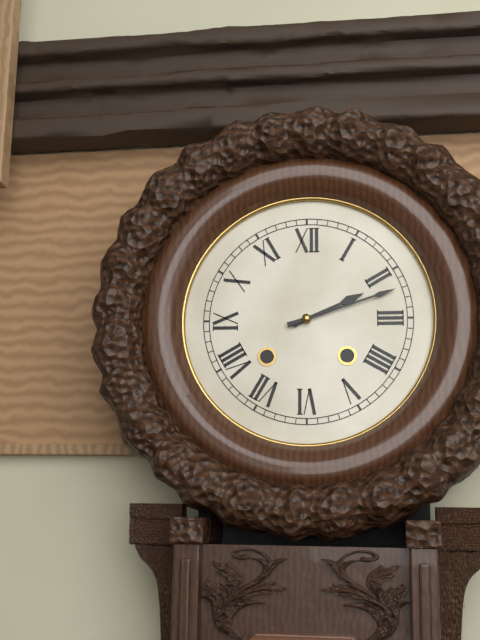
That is h=2 m=12
